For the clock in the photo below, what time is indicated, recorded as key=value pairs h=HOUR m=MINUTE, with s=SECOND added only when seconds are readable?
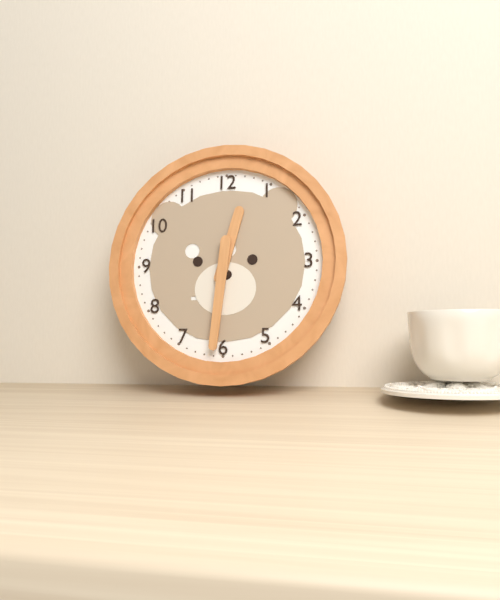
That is h=12 m=31
